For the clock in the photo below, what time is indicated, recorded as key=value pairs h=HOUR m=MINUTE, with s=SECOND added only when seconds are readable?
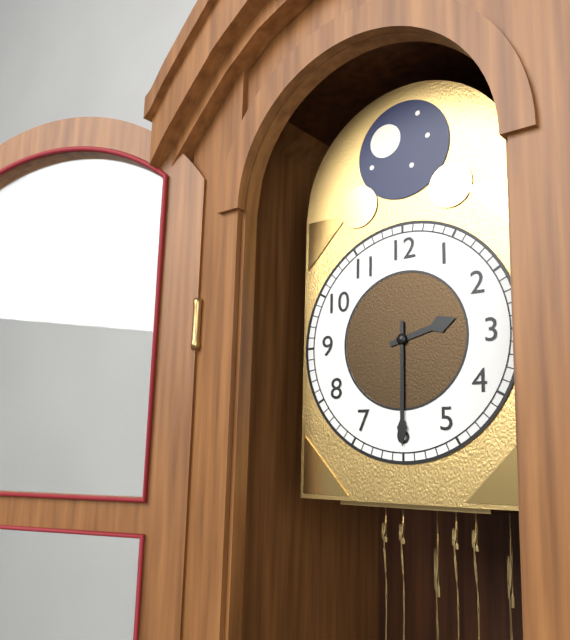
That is h=2 m=30
